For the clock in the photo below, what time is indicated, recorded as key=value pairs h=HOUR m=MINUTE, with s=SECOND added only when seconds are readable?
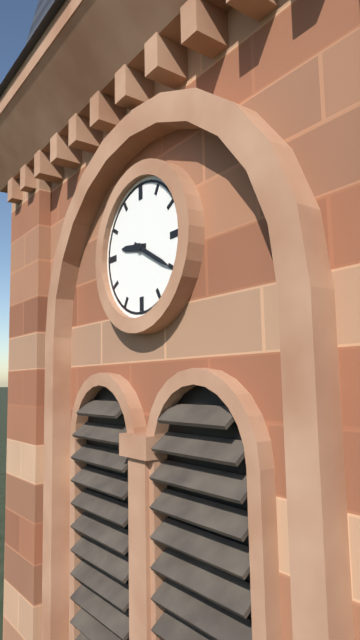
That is h=9 m=20
